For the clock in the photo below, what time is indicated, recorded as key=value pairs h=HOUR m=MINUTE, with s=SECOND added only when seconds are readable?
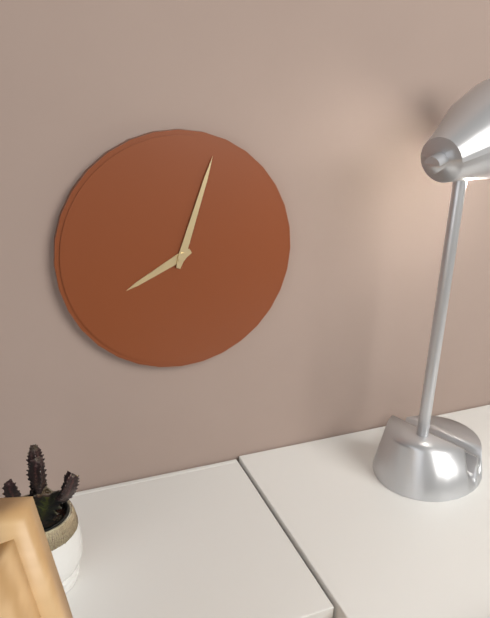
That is h=8 m=3
